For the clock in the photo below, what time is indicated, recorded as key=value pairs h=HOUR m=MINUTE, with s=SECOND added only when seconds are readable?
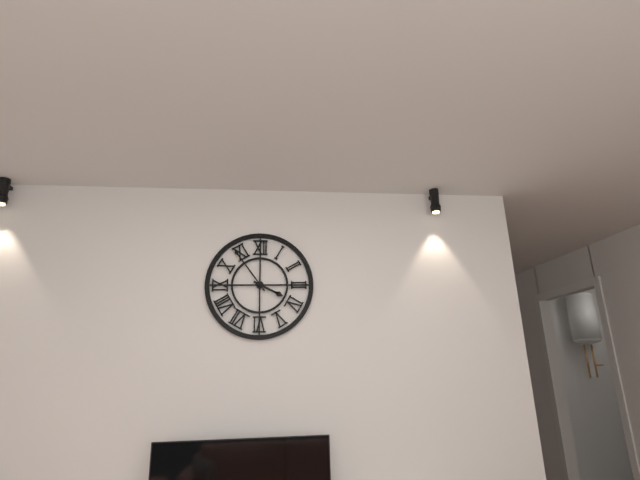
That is h=3 m=54
